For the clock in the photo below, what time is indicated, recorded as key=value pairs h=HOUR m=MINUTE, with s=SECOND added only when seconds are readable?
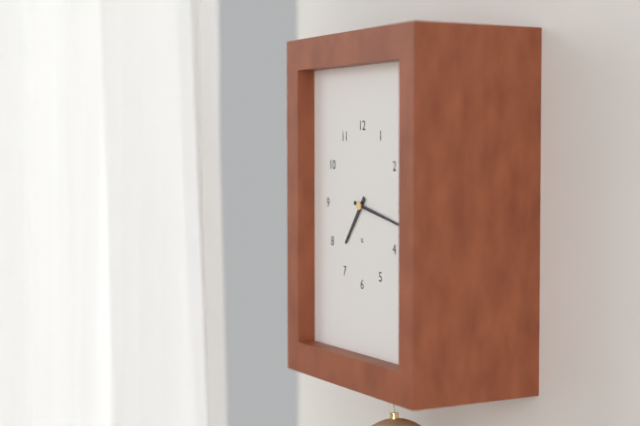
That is h=7 m=17
